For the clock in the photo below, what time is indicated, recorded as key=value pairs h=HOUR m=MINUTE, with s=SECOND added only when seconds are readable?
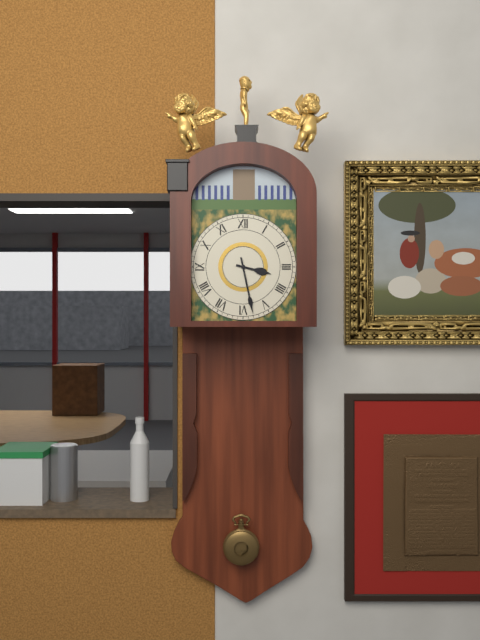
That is h=3 m=28
